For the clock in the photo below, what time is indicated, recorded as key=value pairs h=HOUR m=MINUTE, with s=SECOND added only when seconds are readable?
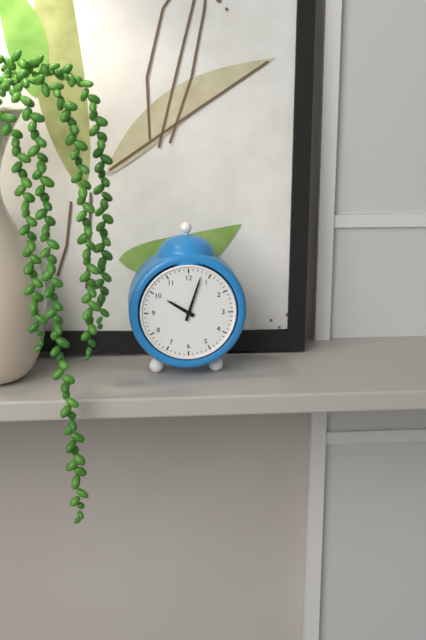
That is h=10 m=3
